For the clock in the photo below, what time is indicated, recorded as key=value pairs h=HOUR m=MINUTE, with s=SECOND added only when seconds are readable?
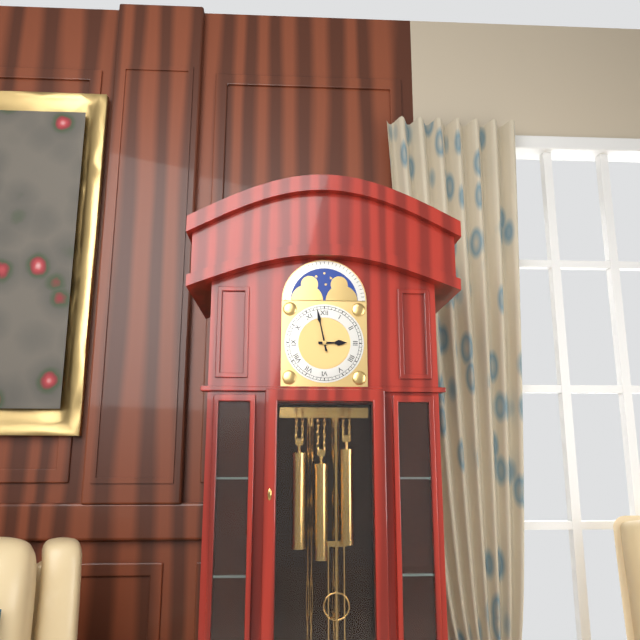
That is h=2 m=58
